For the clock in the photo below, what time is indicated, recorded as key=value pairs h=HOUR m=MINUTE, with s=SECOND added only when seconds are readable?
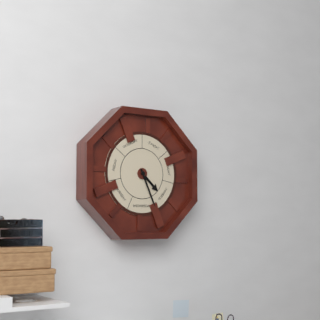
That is h=4 m=26
